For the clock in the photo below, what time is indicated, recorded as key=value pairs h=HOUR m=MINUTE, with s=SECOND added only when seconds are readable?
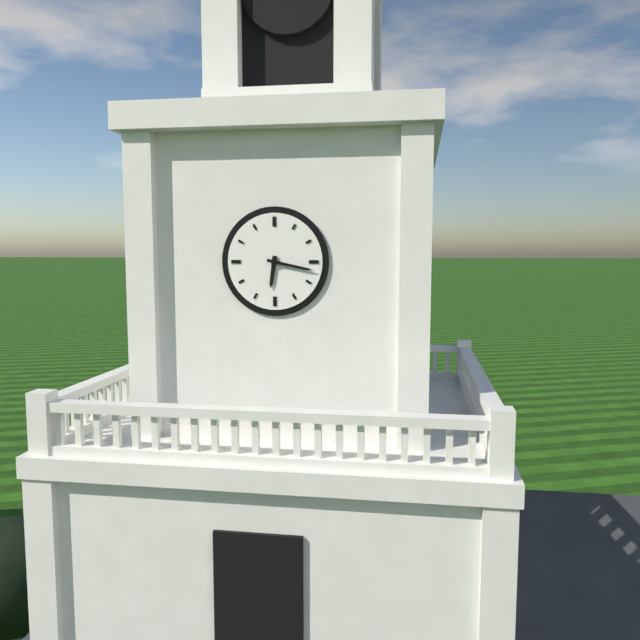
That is h=6 m=17
